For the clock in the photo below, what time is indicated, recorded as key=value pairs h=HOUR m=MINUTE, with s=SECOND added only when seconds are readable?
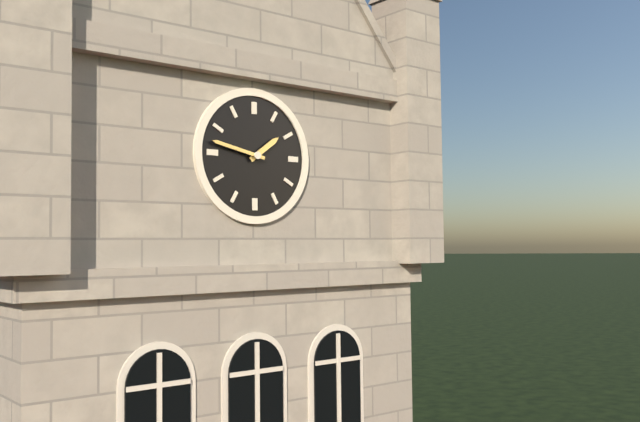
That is h=1 m=47
